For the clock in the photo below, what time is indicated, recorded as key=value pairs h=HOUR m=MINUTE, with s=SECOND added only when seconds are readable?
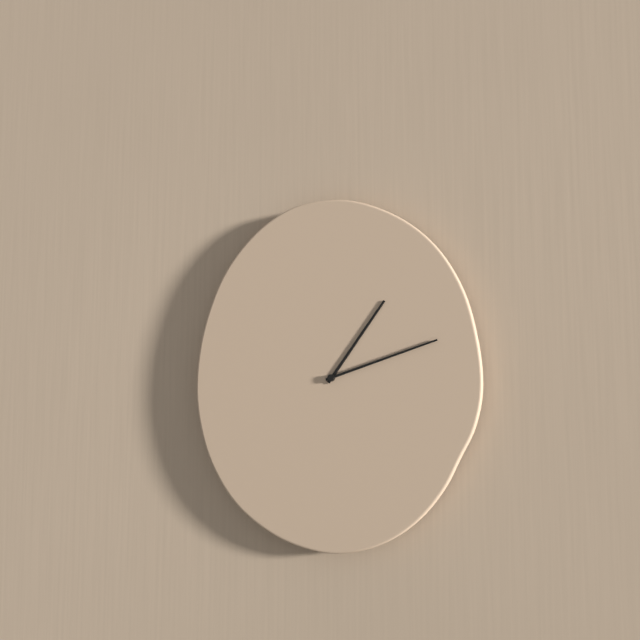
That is h=1 m=12
